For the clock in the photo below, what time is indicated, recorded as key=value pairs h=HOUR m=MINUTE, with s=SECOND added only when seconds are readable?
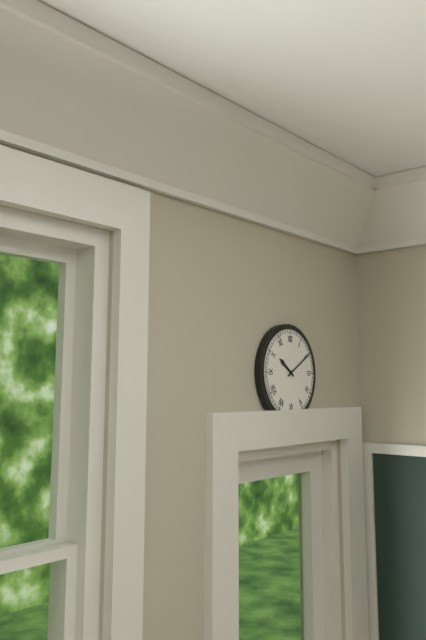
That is h=10 m=10
